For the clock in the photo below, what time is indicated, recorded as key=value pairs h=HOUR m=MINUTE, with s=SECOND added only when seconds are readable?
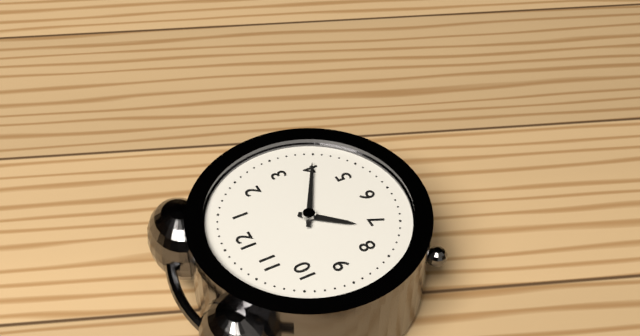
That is h=7 m=20
